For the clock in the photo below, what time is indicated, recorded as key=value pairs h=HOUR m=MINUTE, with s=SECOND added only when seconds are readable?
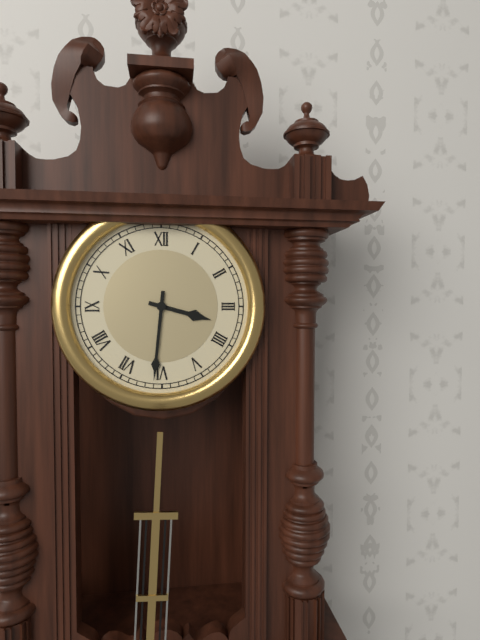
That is h=3 m=31
